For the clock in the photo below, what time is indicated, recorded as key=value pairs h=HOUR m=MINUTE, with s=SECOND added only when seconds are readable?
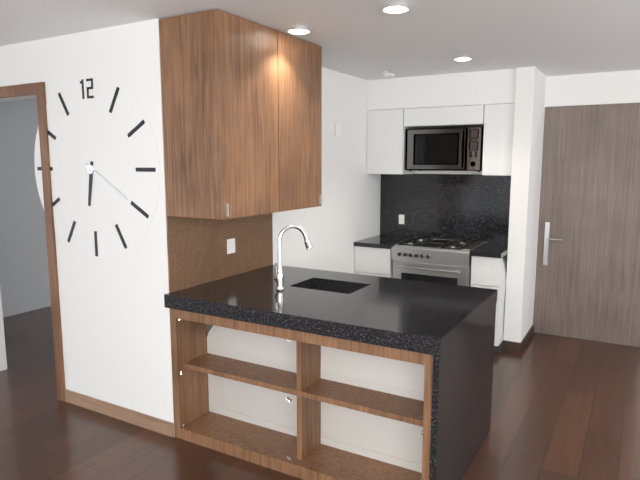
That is h=6 m=20
